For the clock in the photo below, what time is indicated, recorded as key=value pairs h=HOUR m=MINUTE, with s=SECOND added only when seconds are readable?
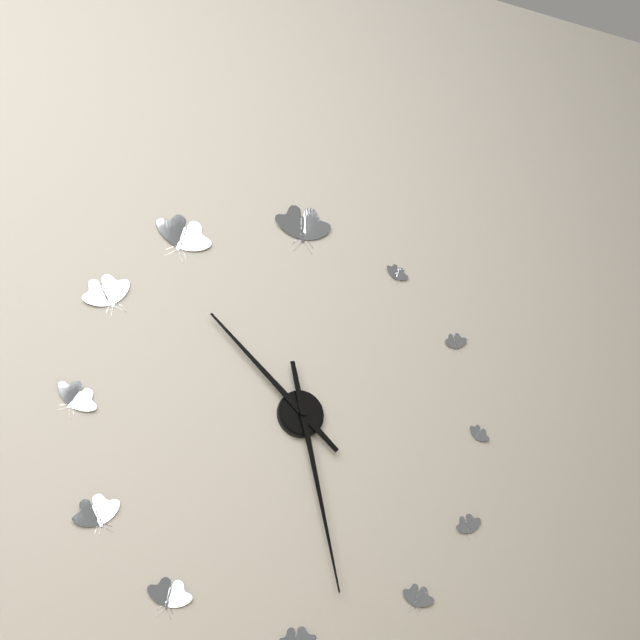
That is h=10 m=28
